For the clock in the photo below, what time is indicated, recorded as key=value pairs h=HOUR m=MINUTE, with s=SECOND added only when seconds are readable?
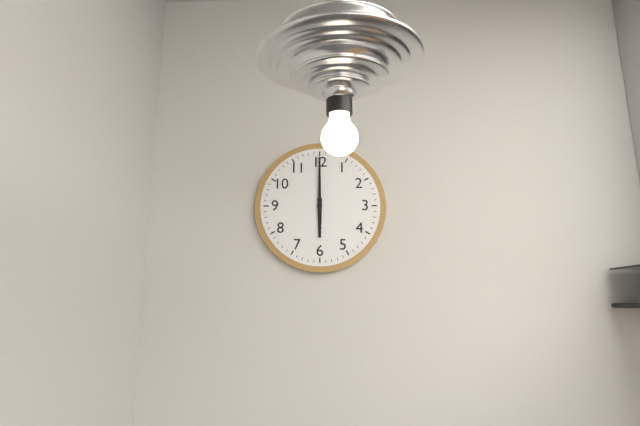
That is h=6 m=0
